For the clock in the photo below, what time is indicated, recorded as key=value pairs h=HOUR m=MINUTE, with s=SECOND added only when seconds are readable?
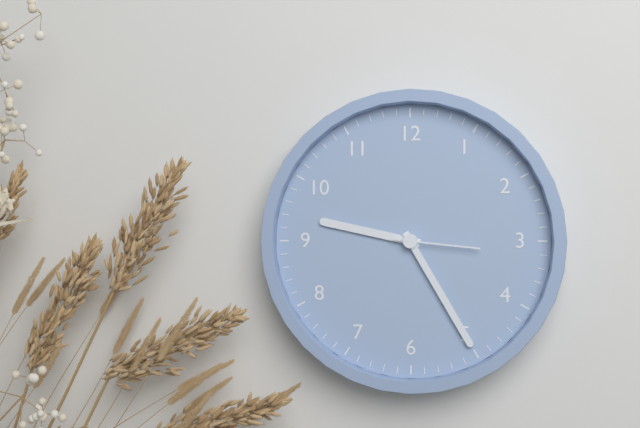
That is h=9 m=25 s=16
